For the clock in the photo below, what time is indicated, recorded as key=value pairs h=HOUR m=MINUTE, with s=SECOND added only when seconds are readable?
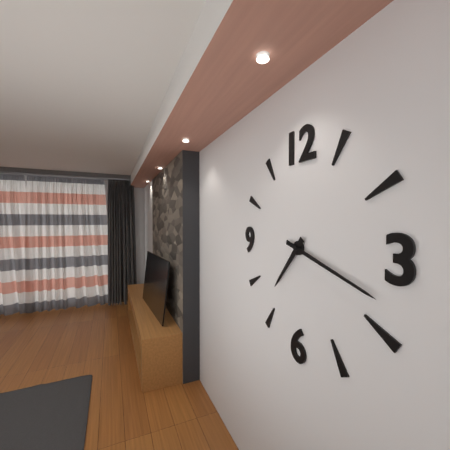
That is h=7 m=18
